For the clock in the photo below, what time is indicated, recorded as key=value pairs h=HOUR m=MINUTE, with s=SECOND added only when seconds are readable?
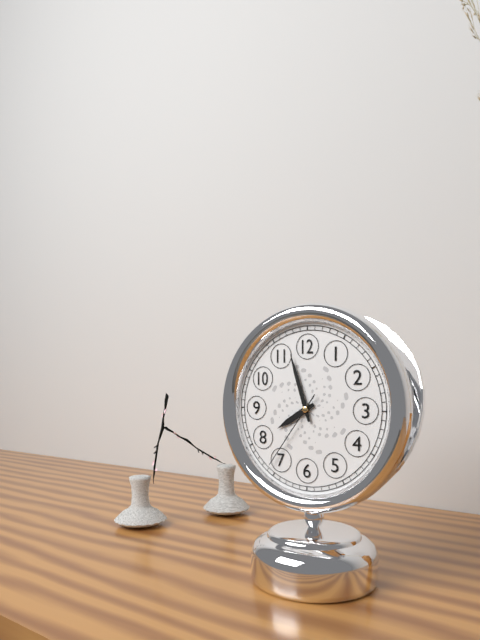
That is h=7 m=57 s=36
